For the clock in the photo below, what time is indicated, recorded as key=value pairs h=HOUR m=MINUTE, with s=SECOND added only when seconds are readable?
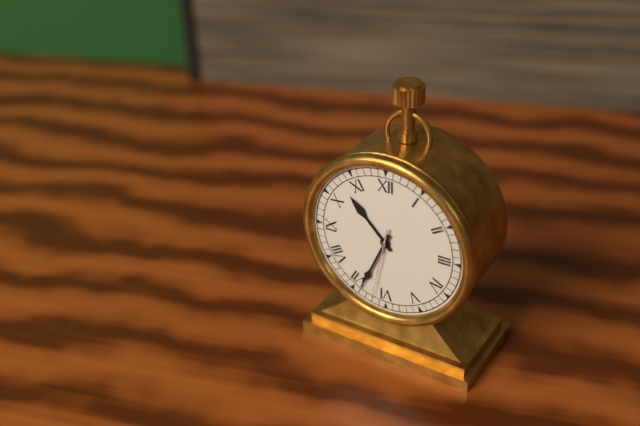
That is h=10 m=34 s=32
